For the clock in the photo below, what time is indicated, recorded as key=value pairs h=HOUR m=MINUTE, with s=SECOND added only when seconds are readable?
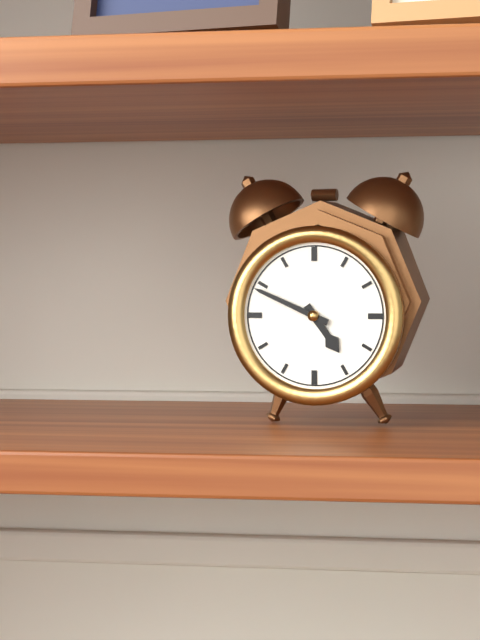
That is h=4 m=49
